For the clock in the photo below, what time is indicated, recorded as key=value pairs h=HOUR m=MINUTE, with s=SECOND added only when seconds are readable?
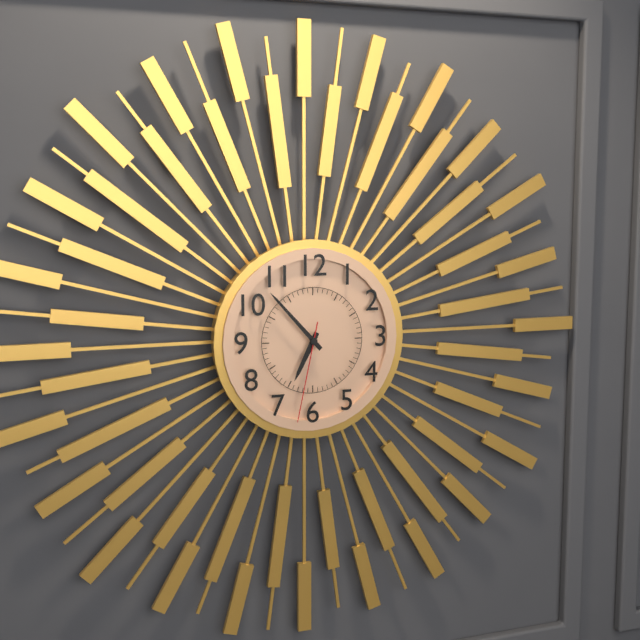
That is h=6 m=53 s=32
